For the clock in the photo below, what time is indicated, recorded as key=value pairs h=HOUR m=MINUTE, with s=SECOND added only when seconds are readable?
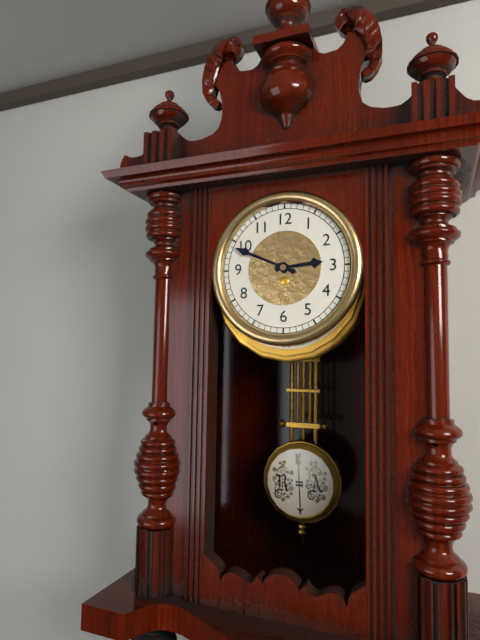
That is h=2 m=49
